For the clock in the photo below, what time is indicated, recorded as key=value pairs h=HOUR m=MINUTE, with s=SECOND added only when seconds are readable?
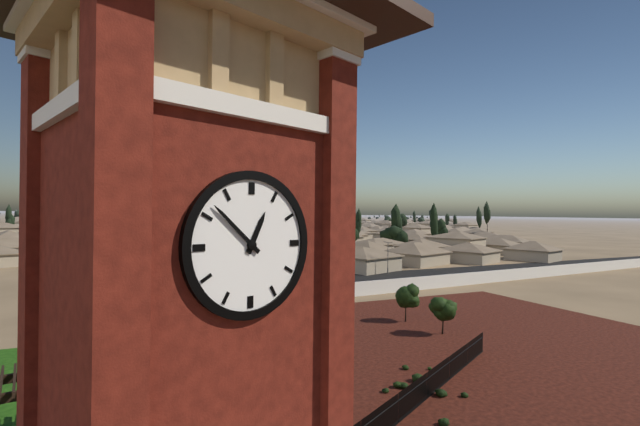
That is h=12 m=52
